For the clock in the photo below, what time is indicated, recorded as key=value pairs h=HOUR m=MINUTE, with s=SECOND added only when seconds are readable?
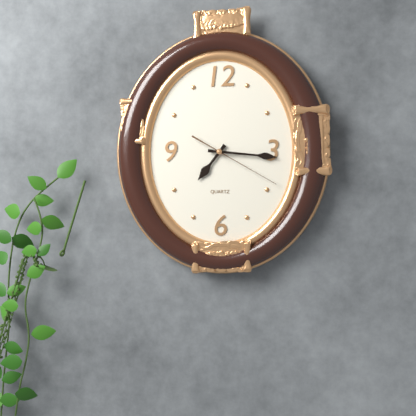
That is h=7 m=16 s=20
